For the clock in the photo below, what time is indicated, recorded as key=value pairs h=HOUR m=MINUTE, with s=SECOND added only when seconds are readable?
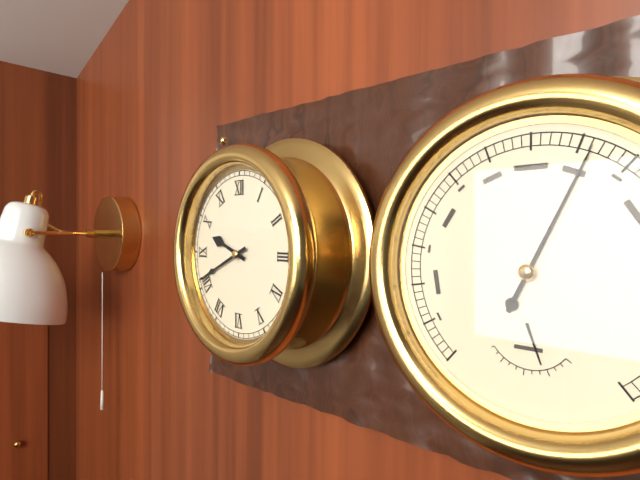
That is h=9 m=41
